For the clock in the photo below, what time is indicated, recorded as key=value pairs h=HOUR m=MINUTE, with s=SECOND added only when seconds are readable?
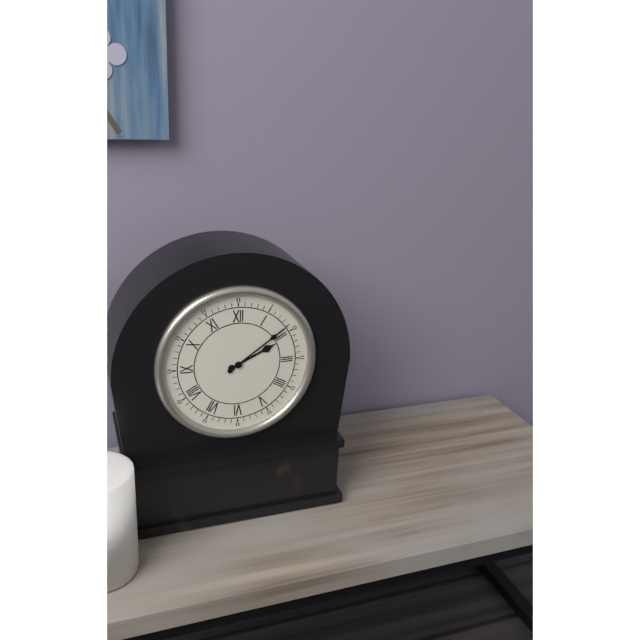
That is h=2 m=9
